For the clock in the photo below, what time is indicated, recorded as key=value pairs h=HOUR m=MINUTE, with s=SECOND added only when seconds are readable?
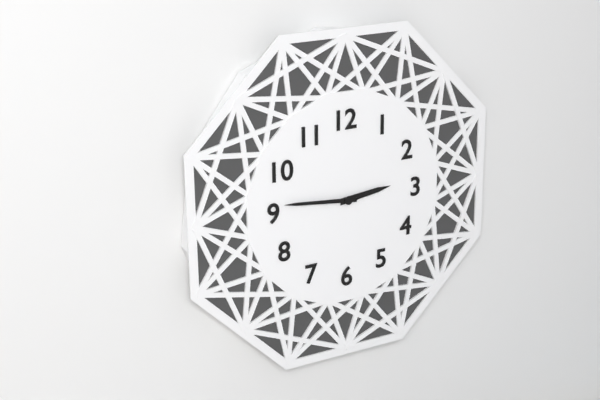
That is h=2 m=46
